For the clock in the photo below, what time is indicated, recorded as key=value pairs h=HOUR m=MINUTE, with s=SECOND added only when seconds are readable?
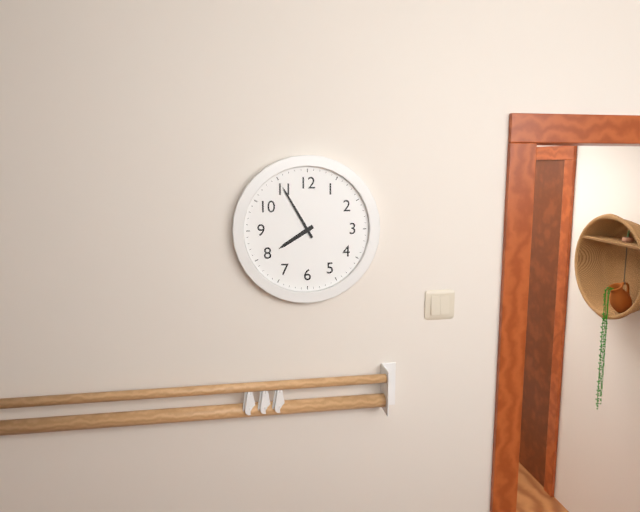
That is h=7 m=55
